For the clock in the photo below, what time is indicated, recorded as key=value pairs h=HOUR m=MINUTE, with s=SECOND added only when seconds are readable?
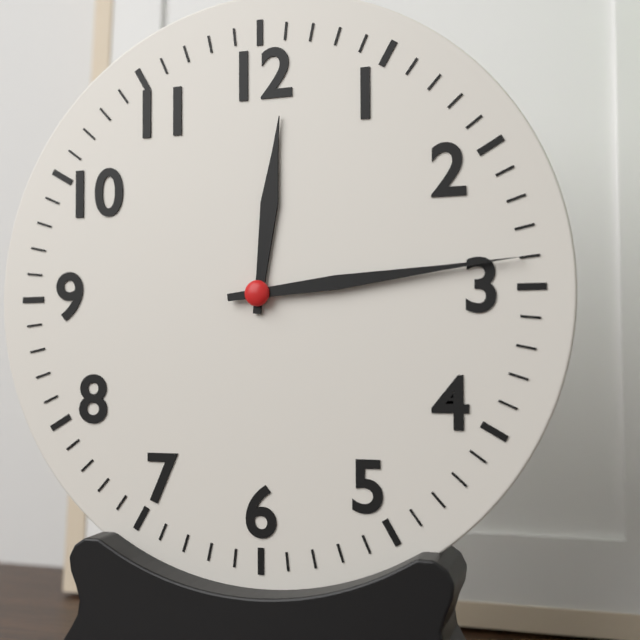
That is h=12 m=14
